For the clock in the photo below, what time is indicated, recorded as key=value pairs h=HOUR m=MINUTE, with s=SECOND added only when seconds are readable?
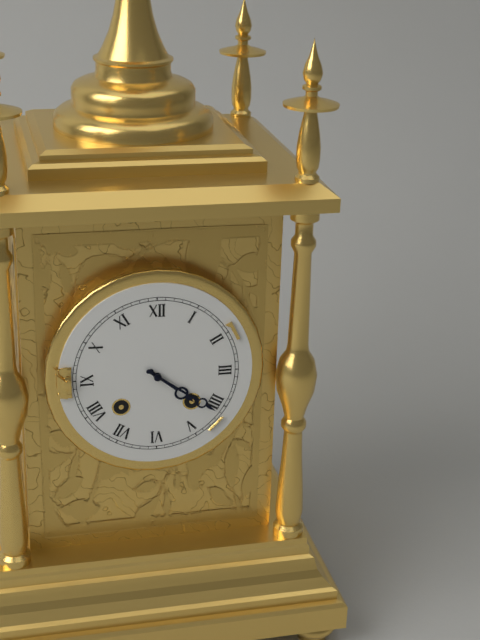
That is h=4 m=21
